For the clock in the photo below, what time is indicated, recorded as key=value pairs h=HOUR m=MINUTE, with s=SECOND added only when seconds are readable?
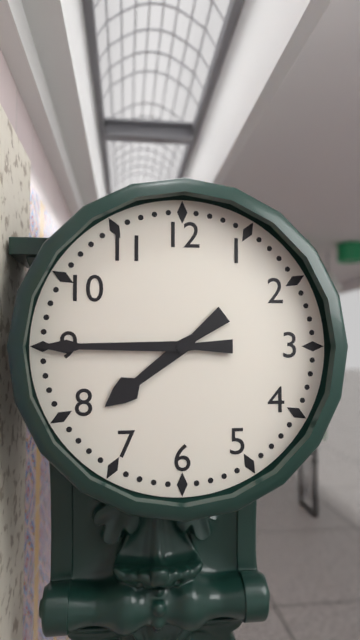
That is h=7 m=45
